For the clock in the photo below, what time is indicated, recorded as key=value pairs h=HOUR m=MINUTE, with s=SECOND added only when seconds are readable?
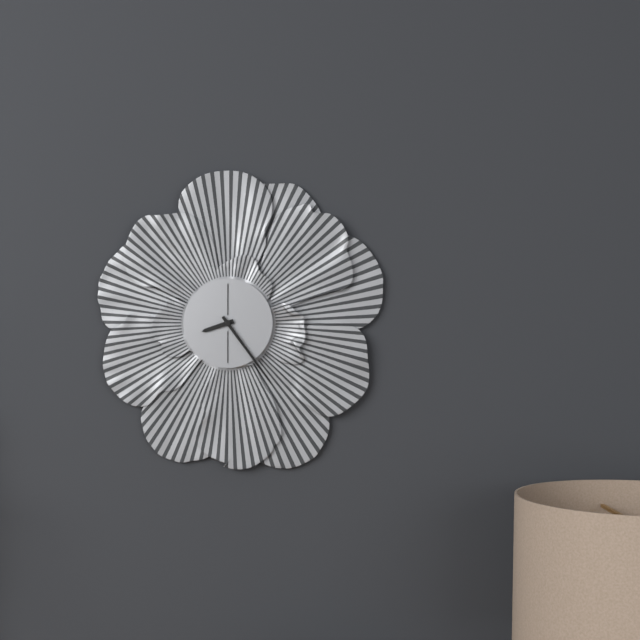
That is h=8 m=24
